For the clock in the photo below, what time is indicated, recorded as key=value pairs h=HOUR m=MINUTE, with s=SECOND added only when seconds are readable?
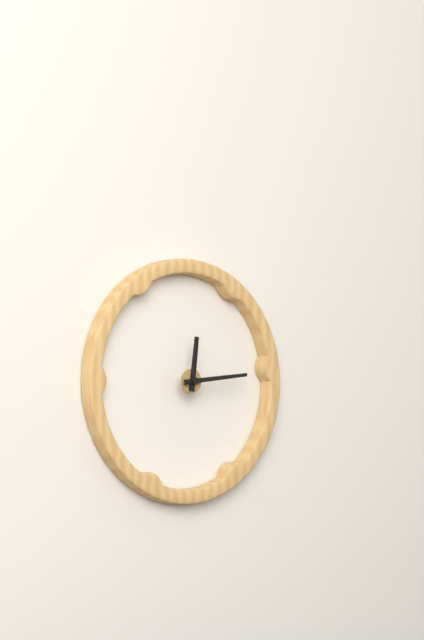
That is h=12 m=14
